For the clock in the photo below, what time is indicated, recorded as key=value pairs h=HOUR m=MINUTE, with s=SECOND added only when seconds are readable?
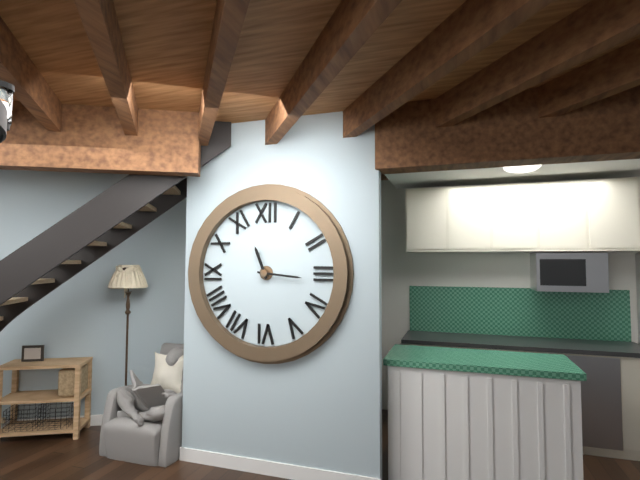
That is h=11 m=16
